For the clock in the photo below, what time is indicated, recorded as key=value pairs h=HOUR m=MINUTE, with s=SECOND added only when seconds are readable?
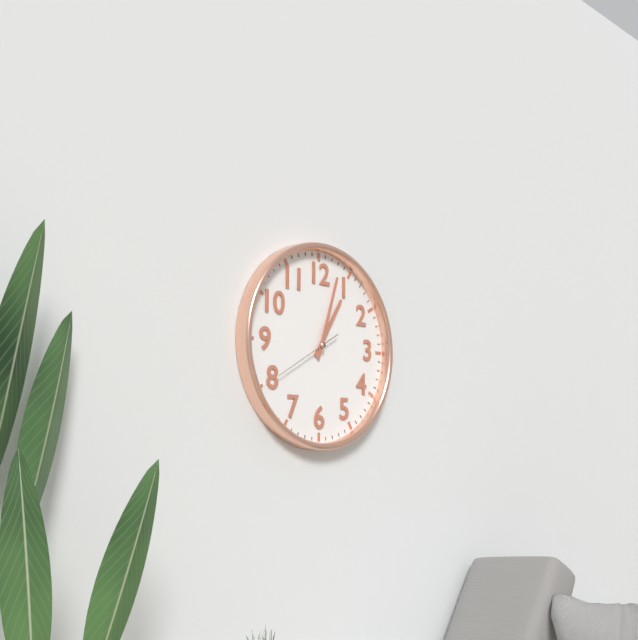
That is h=1 m=3 s=40
